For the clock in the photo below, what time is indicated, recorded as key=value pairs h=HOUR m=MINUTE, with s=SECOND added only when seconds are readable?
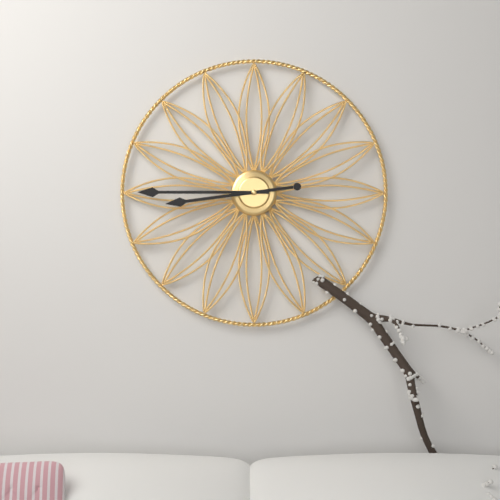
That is h=8 m=45
